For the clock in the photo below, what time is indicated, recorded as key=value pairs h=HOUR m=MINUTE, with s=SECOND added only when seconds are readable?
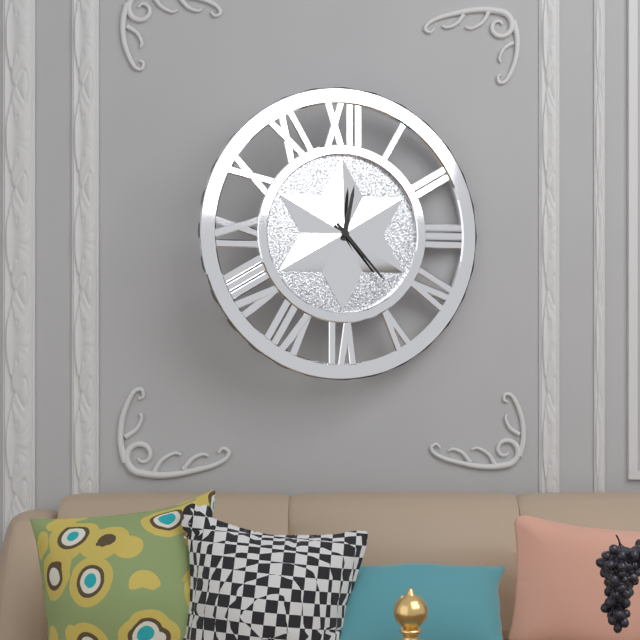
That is h=12 m=23
